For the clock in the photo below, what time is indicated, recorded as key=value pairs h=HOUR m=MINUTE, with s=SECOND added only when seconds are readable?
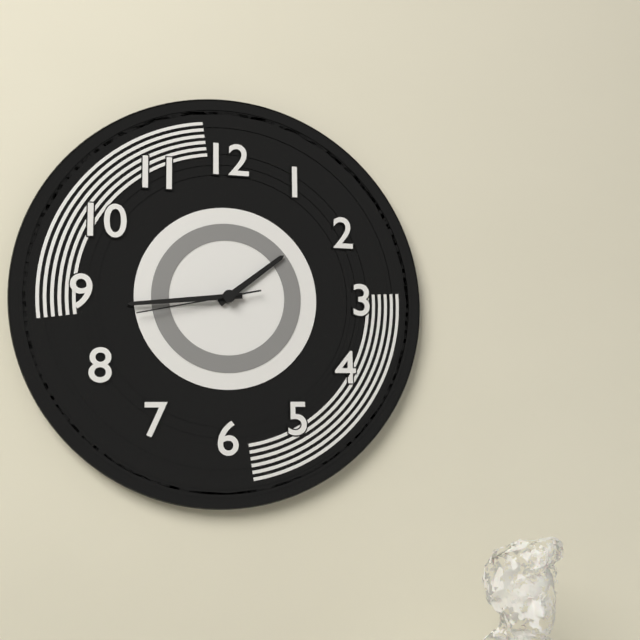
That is h=1 m=44 s=43
